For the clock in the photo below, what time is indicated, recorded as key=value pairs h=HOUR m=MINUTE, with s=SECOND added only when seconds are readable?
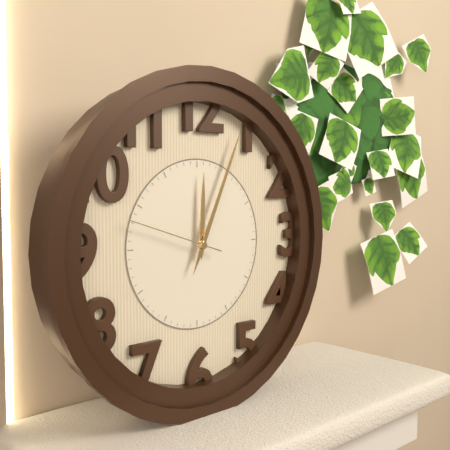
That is h=12 m=4 s=48
